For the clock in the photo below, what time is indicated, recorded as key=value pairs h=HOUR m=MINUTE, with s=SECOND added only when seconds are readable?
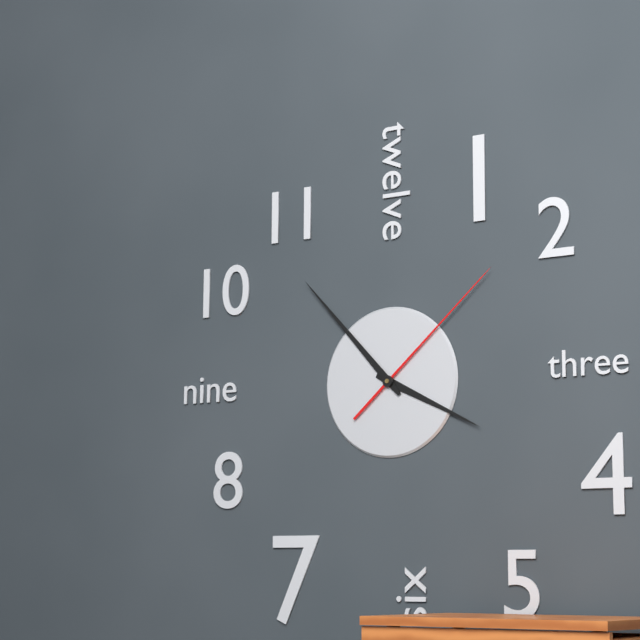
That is h=3 m=53 s=8
